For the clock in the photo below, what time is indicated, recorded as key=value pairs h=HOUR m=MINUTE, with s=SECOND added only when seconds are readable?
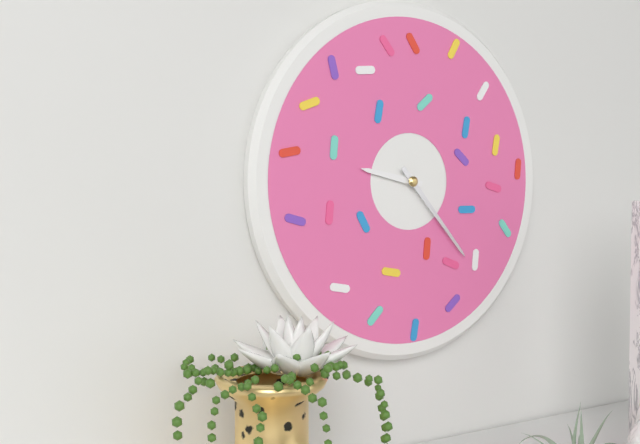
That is h=9 m=23
